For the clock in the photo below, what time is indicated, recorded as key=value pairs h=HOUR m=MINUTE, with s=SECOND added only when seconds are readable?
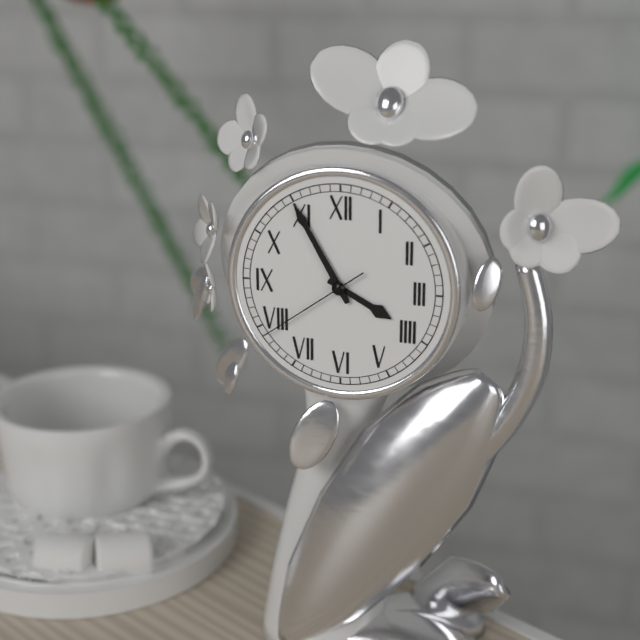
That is h=3 m=55 s=39
